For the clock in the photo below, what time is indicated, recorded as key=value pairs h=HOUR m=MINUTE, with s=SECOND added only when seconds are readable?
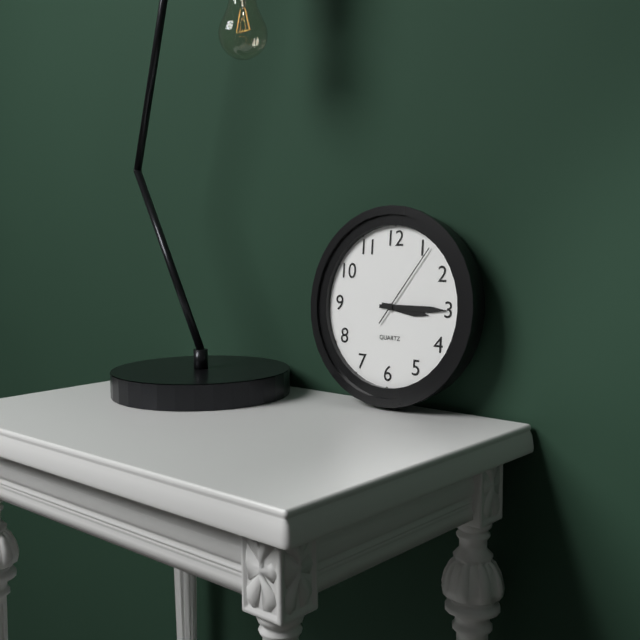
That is h=3 m=15 s=6
